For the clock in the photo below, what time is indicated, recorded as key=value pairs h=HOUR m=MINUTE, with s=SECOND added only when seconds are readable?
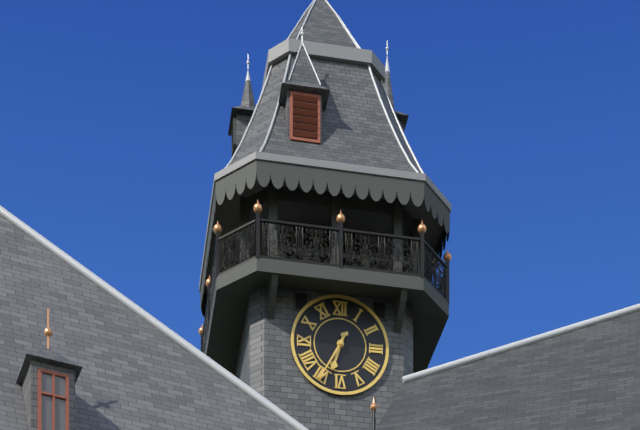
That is h=6 m=35
